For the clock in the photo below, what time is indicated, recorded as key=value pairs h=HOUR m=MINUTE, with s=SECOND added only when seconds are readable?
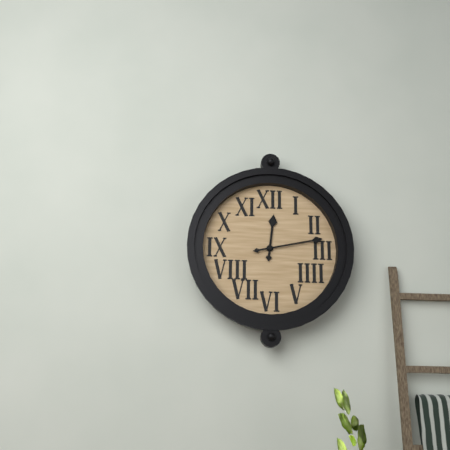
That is h=12 m=13
